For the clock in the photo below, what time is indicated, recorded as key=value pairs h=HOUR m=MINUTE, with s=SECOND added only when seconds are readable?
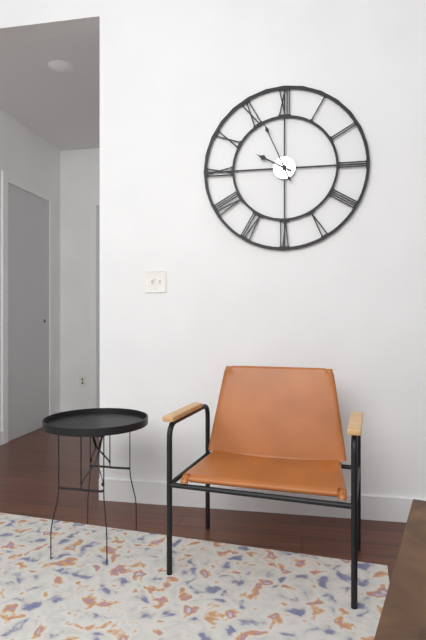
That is h=9 m=56
